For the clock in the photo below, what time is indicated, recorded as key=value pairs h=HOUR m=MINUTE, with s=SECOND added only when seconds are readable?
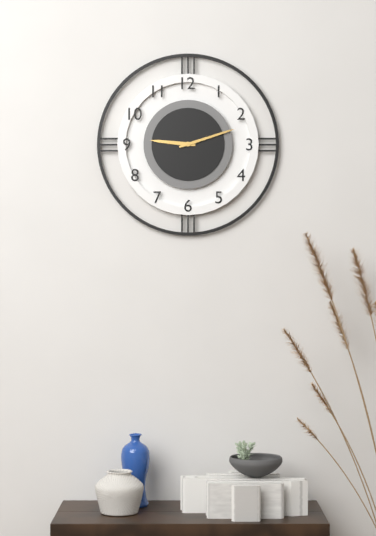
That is h=9 m=12
